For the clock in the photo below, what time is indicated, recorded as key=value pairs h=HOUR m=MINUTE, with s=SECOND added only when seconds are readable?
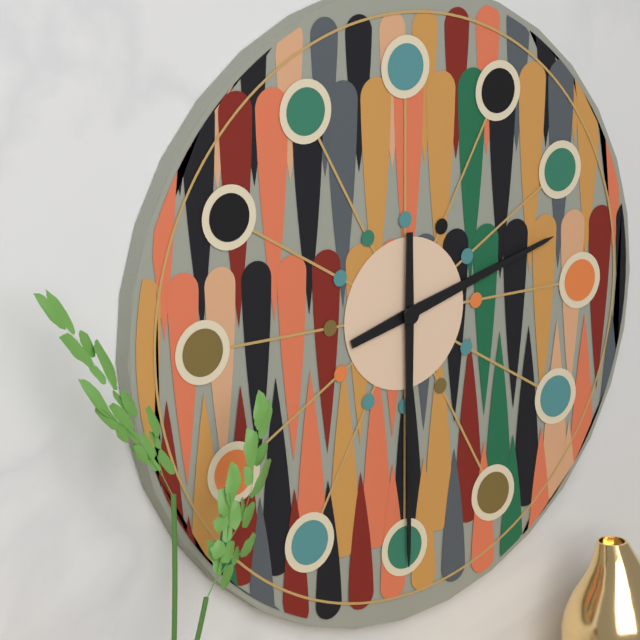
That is h=2 m=30
